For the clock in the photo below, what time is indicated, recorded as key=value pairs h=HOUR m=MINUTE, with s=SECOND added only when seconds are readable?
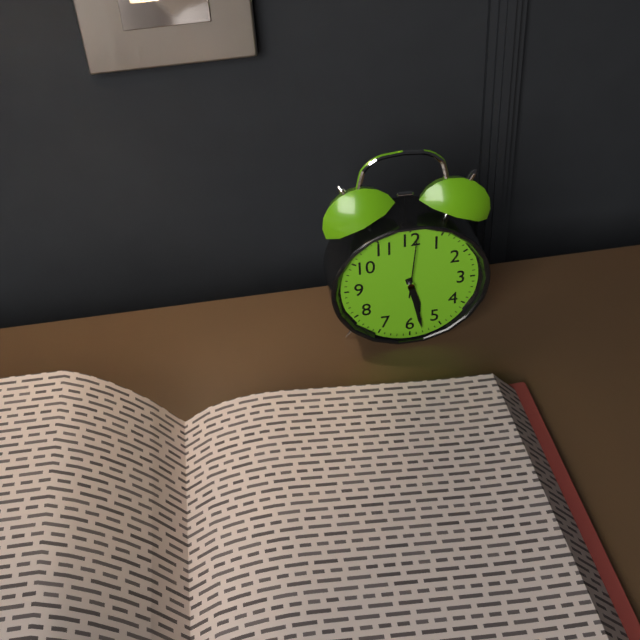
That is h=5 m=28 s=1
